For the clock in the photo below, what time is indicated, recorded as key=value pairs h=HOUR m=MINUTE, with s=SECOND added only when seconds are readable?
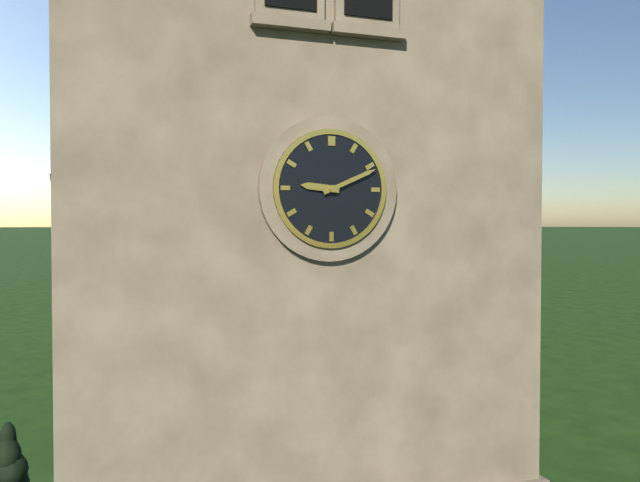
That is h=9 m=11
